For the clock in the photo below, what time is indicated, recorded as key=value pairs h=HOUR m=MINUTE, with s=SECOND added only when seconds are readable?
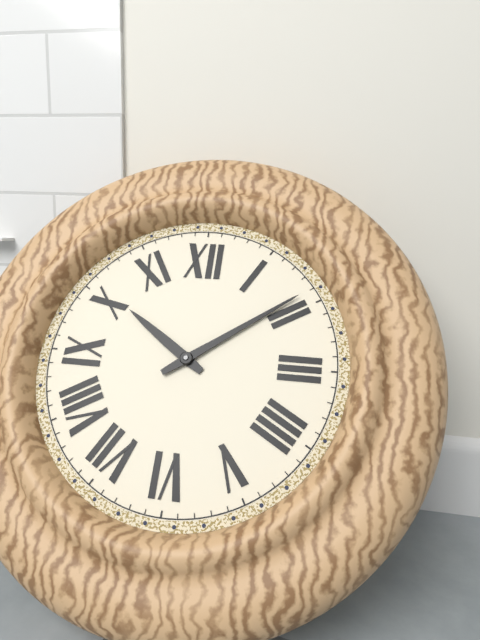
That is h=10 m=9
